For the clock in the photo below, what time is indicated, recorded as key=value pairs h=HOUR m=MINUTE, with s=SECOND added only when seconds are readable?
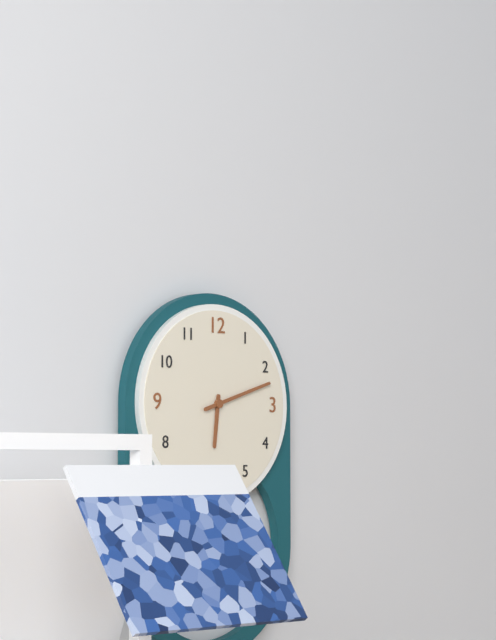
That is h=6 m=12
